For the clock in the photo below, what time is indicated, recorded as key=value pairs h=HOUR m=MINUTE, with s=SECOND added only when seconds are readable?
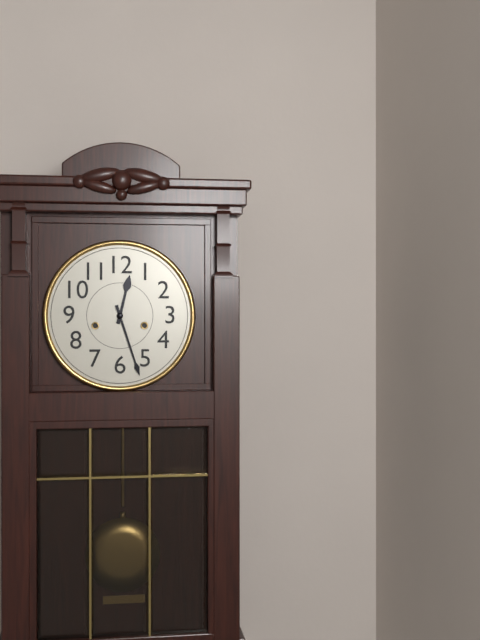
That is h=12 m=27
